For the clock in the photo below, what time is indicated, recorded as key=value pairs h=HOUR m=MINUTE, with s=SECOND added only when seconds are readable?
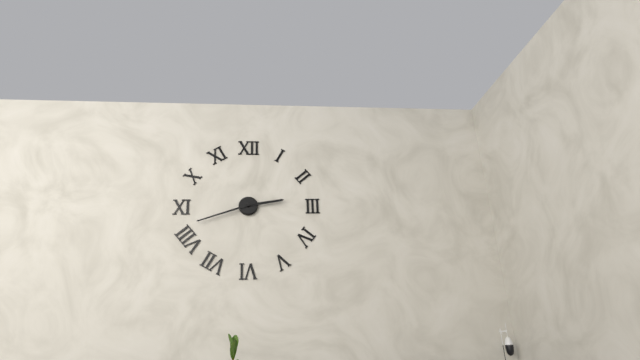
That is h=2 m=42
